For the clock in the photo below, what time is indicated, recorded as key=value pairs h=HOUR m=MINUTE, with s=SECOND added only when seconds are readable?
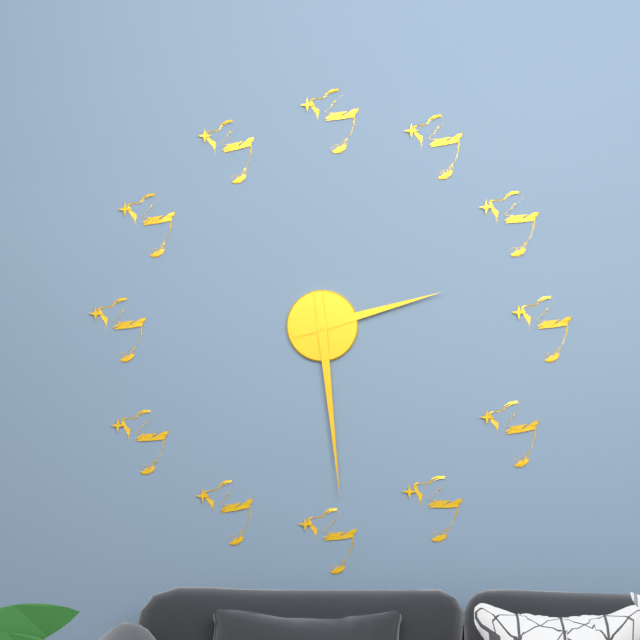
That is h=2 m=29
